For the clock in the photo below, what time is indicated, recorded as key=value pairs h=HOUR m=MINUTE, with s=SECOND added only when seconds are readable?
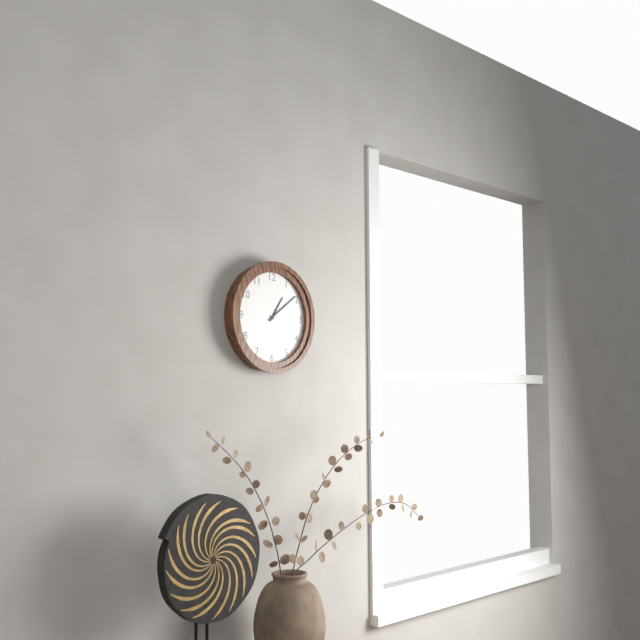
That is h=1 m=9
